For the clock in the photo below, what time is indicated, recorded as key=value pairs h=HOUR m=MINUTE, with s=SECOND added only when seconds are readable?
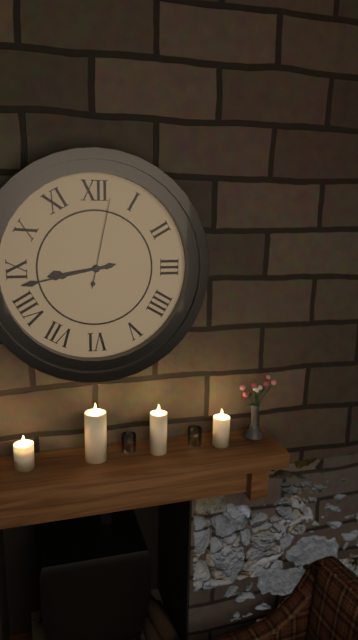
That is h=8 m=43 s=2
